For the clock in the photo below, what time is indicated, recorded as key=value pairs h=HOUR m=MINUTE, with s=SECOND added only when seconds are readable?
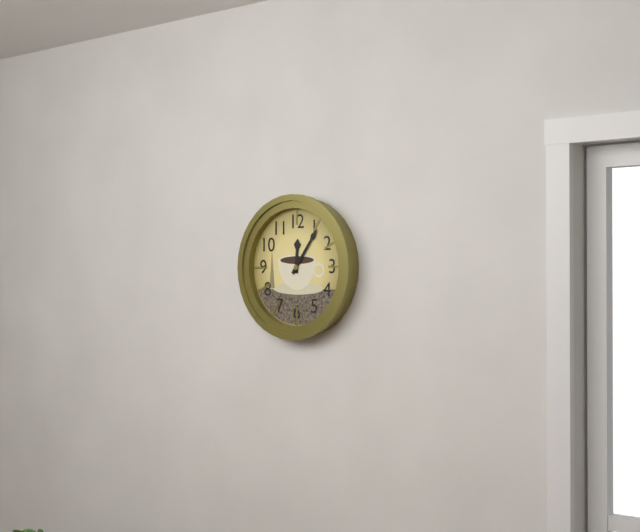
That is h=12 m=6
